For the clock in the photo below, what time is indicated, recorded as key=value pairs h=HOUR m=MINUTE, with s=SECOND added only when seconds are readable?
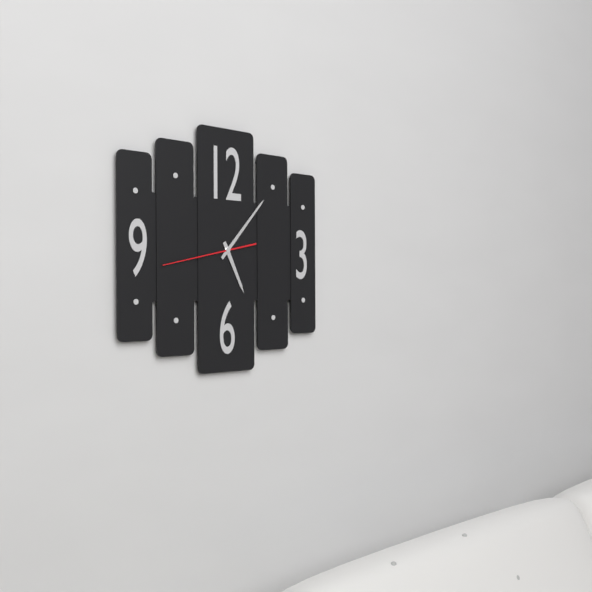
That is h=5 m=7 s=43
